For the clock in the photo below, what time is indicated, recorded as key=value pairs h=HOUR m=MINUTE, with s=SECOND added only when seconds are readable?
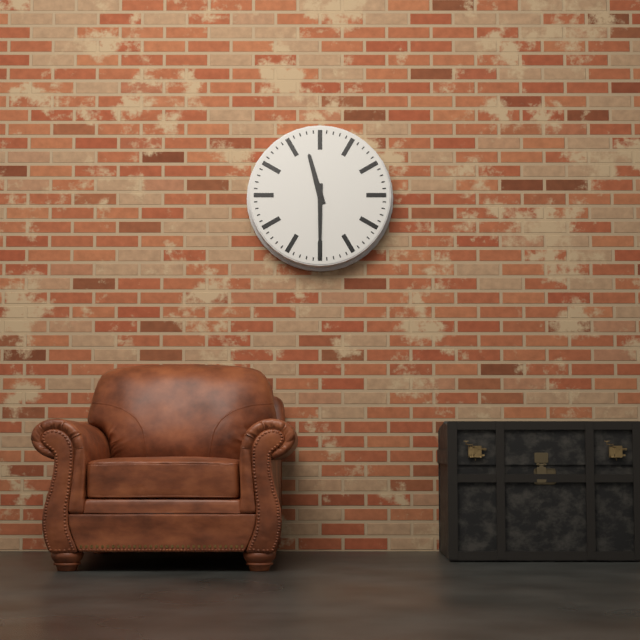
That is h=11 m=30
